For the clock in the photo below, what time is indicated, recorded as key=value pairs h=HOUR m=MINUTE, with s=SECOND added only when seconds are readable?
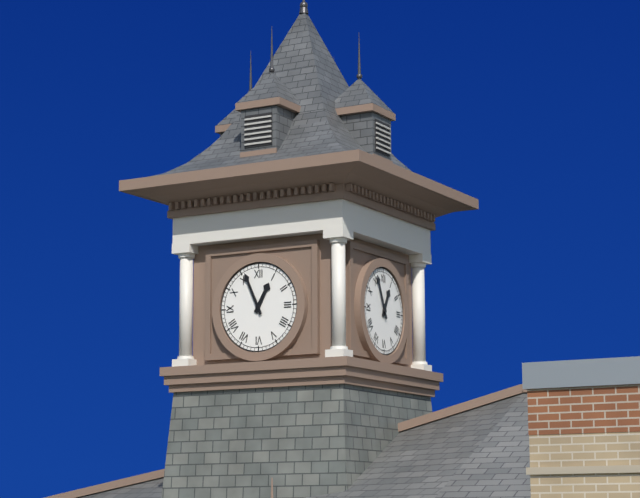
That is h=12 m=56
